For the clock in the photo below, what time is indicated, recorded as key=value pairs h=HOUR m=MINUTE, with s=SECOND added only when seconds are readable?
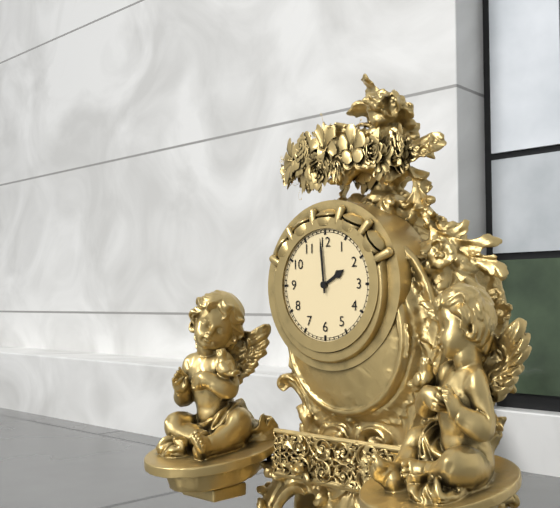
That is h=1 m=59
